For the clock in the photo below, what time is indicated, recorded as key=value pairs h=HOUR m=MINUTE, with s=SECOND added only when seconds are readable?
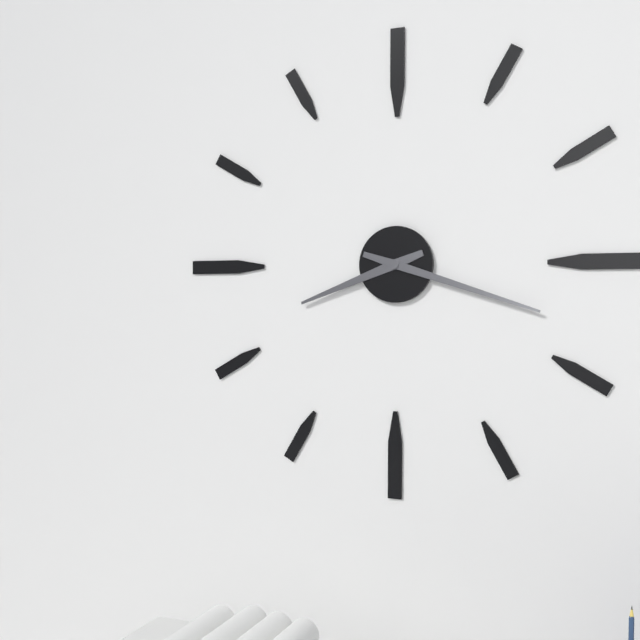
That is h=8 m=18
